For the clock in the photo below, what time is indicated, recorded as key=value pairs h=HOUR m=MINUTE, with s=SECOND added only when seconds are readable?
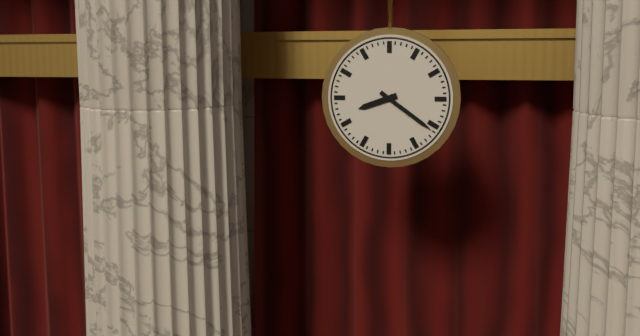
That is h=8 m=21
